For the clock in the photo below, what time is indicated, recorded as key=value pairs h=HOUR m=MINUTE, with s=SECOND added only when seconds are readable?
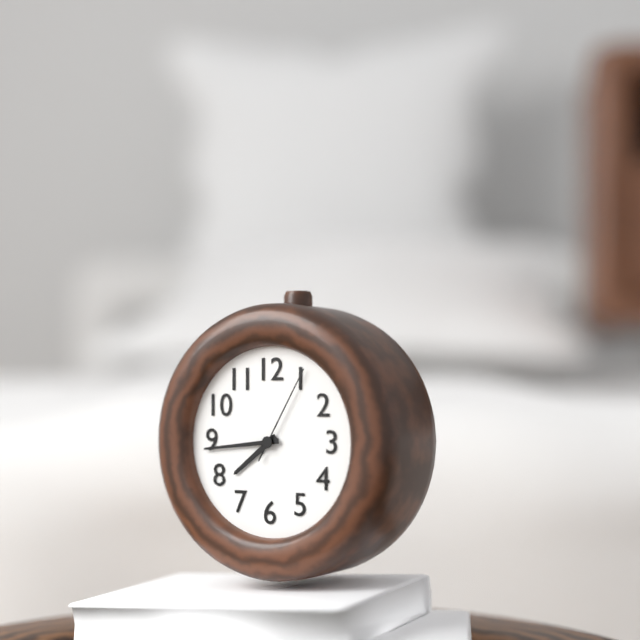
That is h=7 m=44 s=5
